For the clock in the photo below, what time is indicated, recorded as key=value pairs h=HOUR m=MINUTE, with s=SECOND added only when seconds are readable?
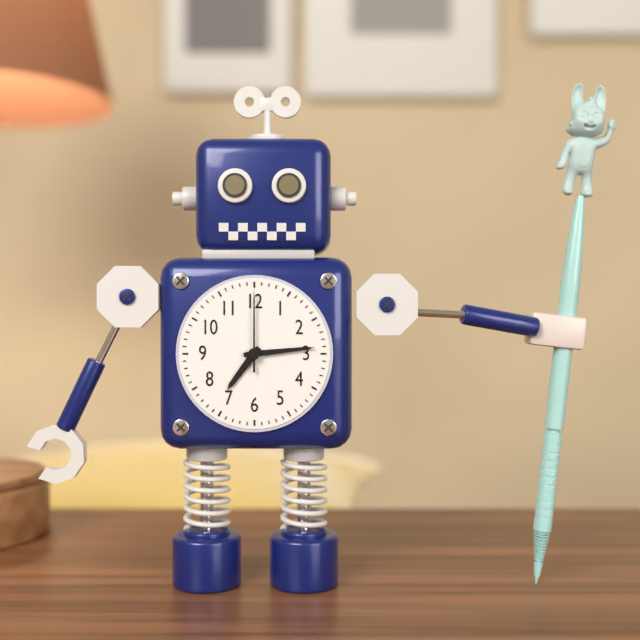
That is h=7 m=14 s=0
